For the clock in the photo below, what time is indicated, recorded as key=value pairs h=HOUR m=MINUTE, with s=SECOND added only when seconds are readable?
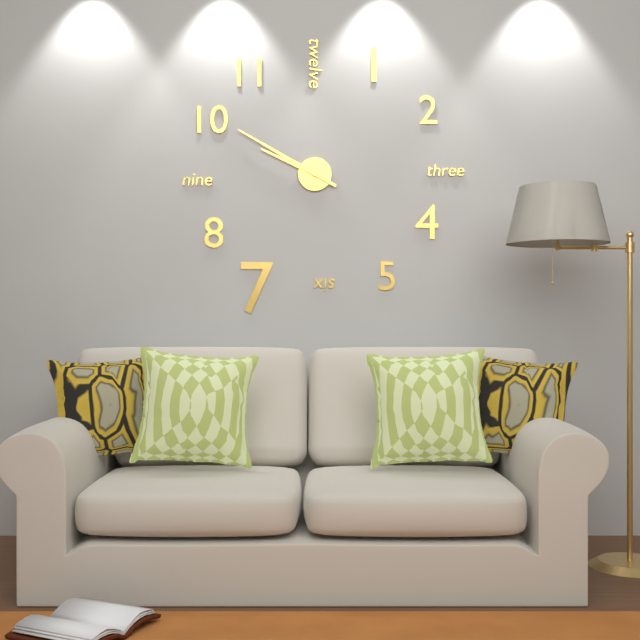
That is h=9 m=50
